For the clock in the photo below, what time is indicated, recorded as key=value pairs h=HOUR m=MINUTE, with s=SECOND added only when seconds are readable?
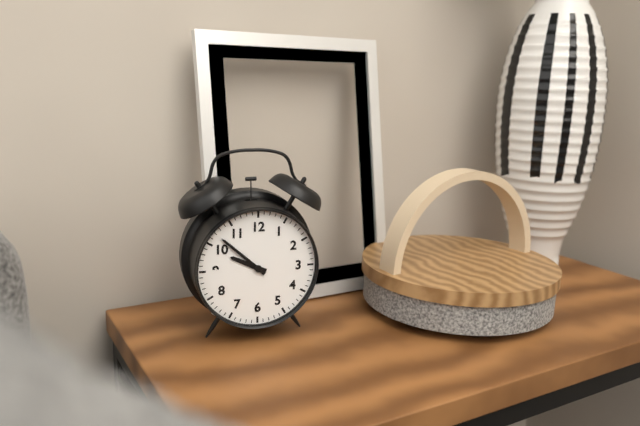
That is h=9 m=52
